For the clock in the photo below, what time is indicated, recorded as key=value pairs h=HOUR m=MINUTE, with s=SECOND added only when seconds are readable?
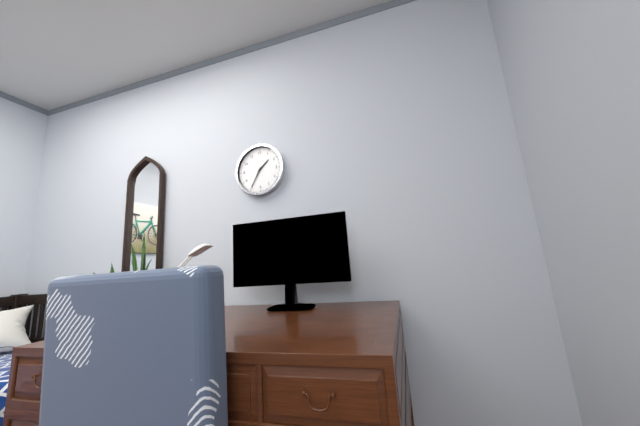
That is h=1 m=35
